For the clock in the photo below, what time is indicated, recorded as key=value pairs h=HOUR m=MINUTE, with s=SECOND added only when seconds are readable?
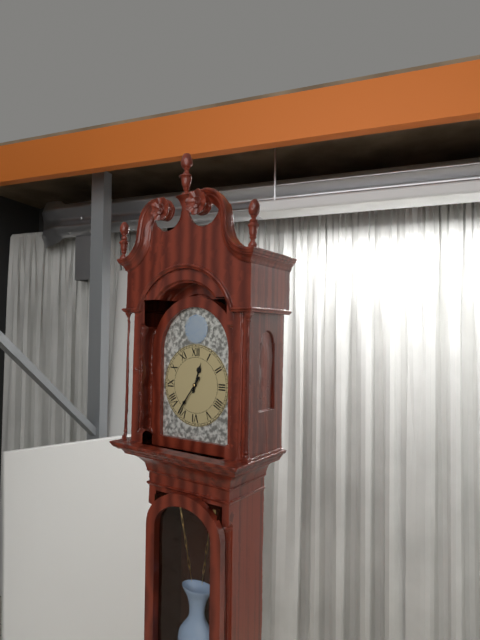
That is h=12 m=36
